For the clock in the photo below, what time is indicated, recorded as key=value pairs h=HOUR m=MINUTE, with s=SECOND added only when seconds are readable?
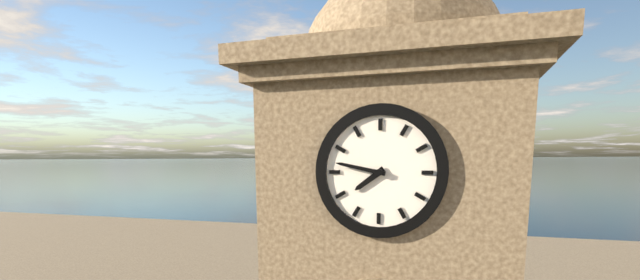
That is h=7 m=47
